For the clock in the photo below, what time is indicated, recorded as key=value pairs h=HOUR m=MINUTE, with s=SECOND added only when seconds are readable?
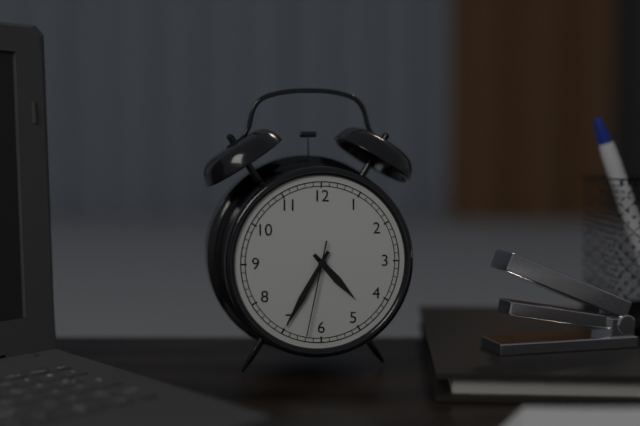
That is h=4 m=35 s=32
